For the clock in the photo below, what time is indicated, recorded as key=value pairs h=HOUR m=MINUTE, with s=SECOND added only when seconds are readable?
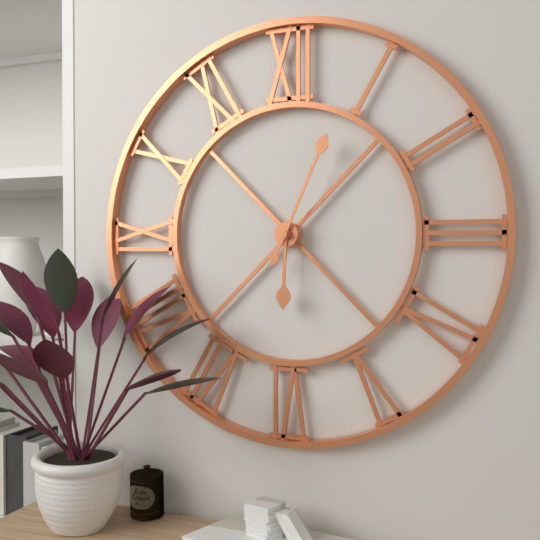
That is h=6 m=4
